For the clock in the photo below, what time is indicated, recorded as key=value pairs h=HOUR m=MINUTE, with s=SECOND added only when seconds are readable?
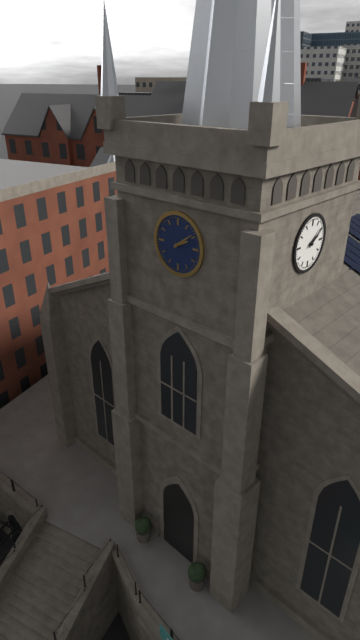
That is h=2 m=9
